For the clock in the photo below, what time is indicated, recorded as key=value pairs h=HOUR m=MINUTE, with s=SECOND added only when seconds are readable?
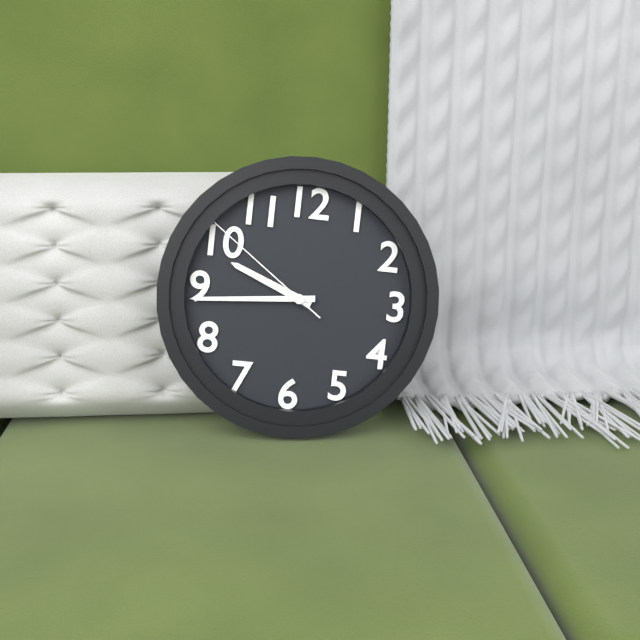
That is h=9 m=44 s=51
